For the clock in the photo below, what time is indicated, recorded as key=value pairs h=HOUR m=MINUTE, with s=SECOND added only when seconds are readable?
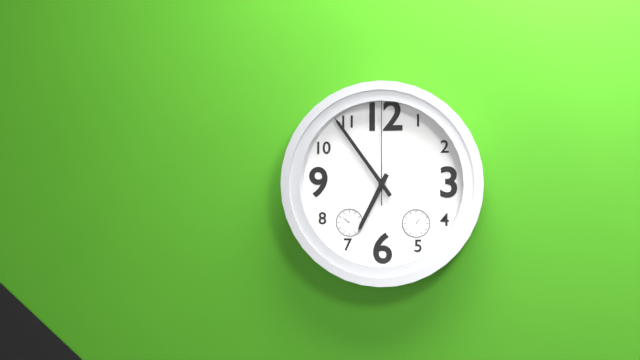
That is h=6 m=54 s=0
